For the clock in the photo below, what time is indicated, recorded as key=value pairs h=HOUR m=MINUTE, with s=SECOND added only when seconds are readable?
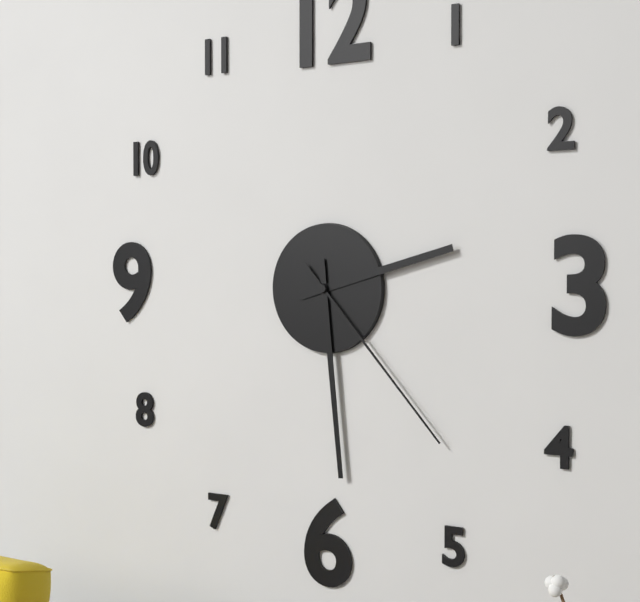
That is h=2 m=29 s=23
